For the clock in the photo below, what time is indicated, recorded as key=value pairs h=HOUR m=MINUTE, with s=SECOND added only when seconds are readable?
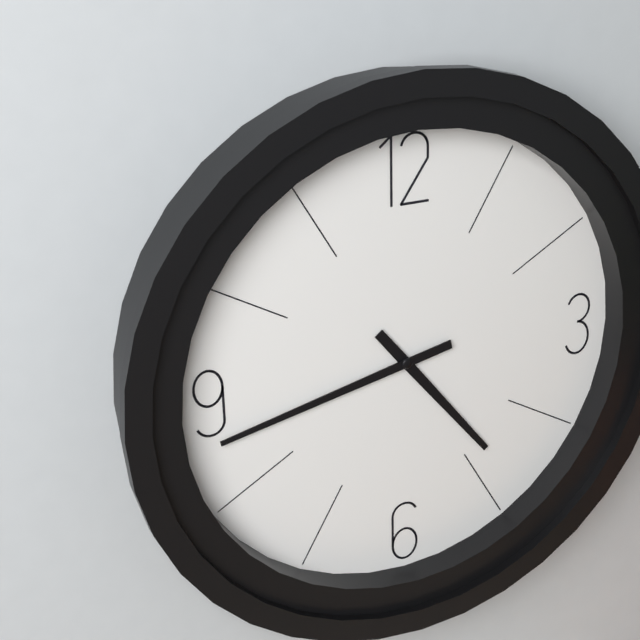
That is h=4 m=43
